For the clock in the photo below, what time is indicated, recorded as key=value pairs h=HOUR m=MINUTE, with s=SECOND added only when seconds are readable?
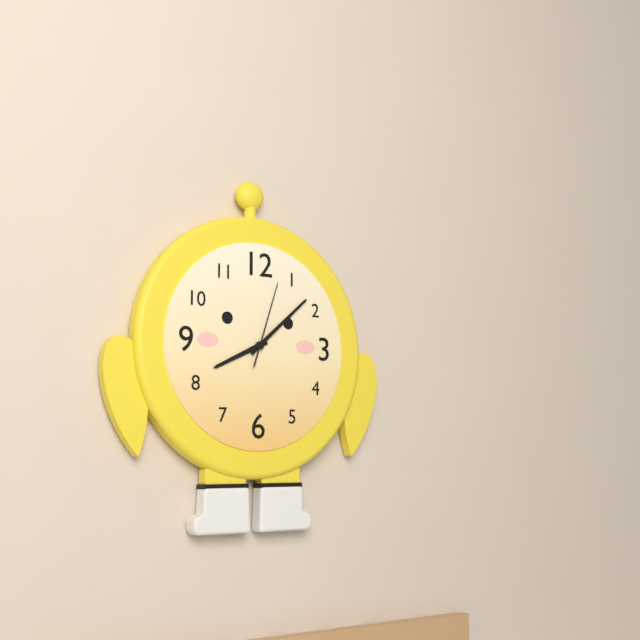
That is h=8 m=8 s=3
